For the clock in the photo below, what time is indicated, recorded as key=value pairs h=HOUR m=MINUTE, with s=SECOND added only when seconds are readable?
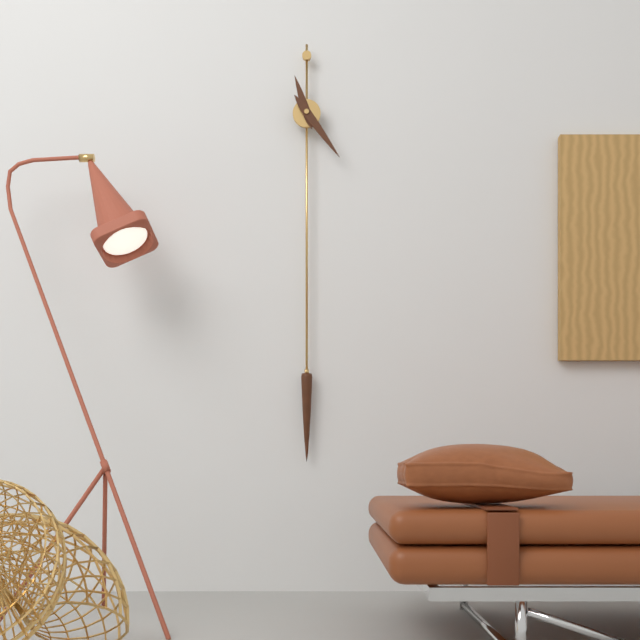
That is h=11 m=24
